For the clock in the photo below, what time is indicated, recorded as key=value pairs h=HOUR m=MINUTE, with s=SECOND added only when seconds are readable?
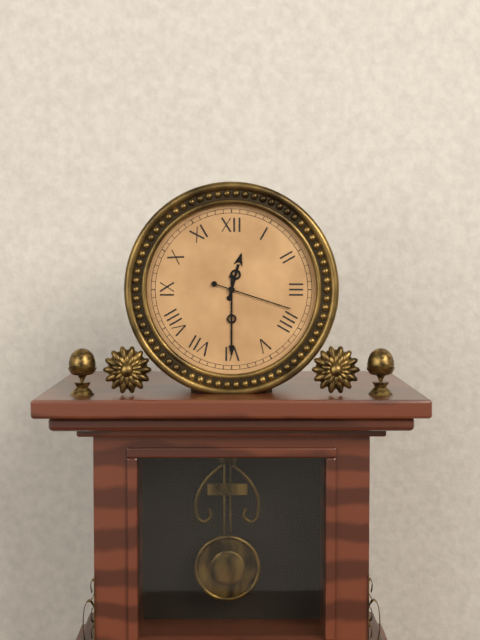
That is h=12 m=30 s=18
